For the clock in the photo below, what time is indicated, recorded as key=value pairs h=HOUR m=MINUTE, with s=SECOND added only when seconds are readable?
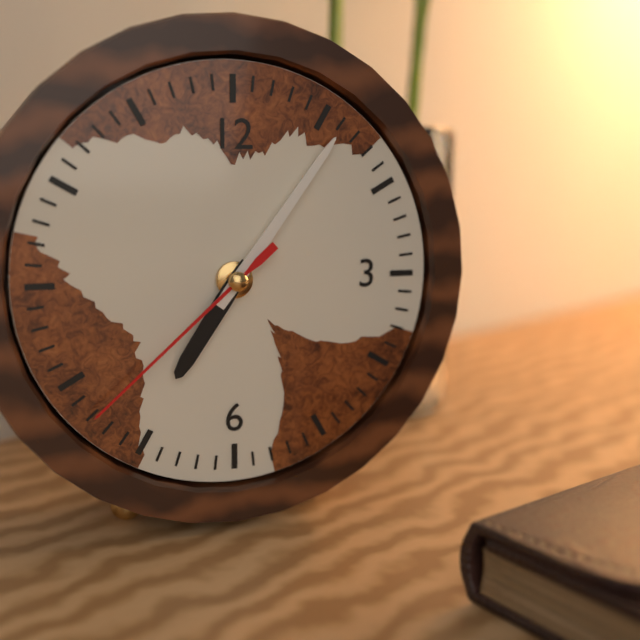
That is h=7 m=6 s=38
